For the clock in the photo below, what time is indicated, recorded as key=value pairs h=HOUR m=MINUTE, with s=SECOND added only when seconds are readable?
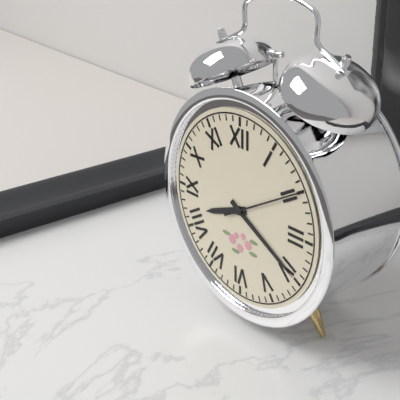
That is h=8 m=20 s=10
